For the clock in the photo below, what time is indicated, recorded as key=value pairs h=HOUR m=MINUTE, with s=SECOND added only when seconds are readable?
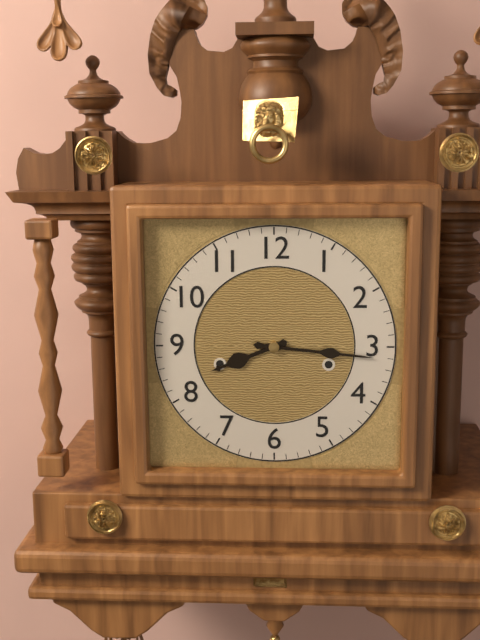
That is h=8 m=16
